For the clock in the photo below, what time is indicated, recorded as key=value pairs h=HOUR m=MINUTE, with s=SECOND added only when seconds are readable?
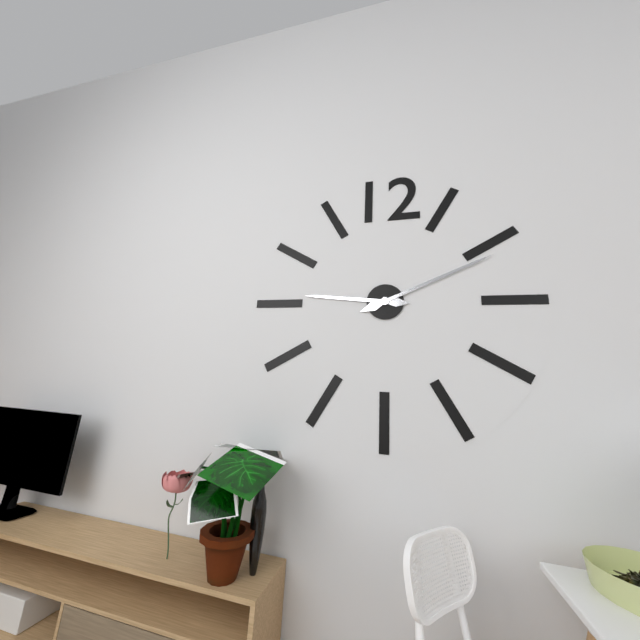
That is h=9 m=11
